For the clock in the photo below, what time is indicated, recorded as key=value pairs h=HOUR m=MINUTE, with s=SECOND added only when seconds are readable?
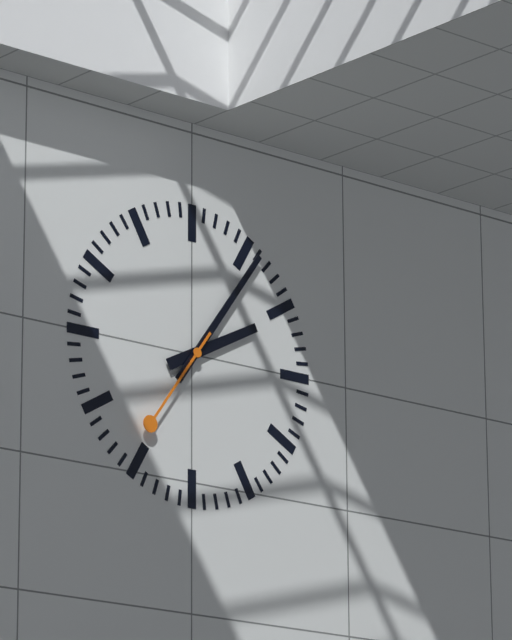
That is h=2 m=6 s=36
